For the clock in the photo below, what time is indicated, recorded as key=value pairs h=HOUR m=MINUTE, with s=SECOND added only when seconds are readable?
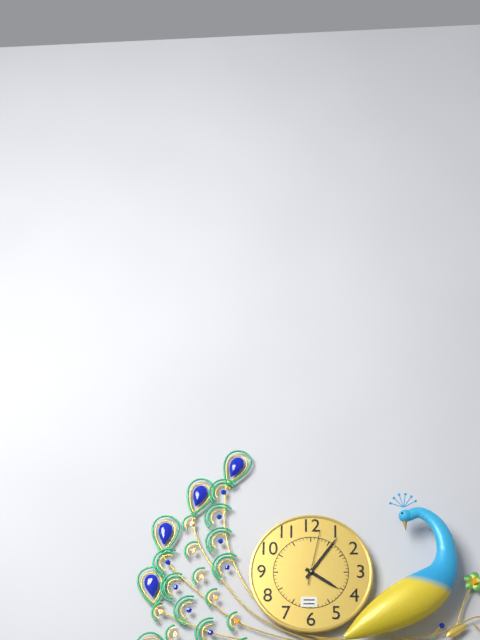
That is h=4 m=6 s=2
